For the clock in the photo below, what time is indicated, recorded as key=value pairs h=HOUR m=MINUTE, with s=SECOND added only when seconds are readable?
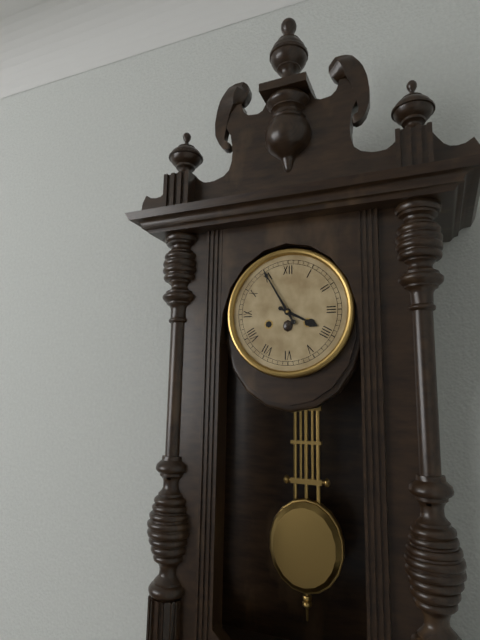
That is h=3 m=55
